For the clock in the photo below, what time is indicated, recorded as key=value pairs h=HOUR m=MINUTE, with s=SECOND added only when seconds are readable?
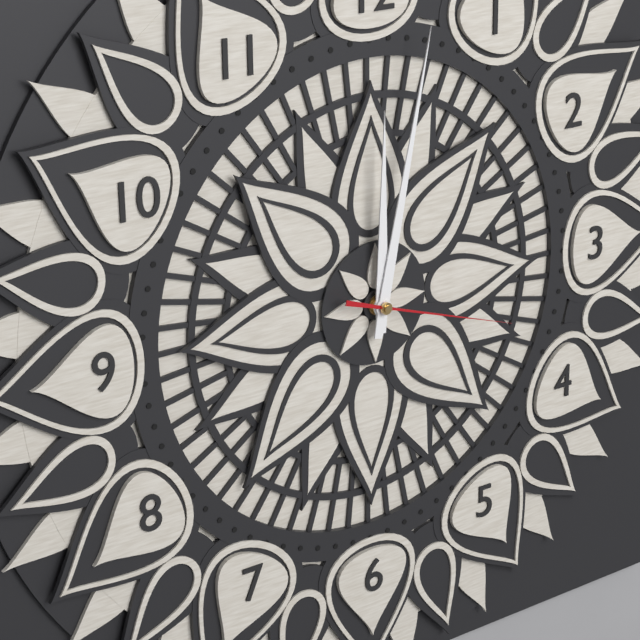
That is h=12 m=2 s=18
